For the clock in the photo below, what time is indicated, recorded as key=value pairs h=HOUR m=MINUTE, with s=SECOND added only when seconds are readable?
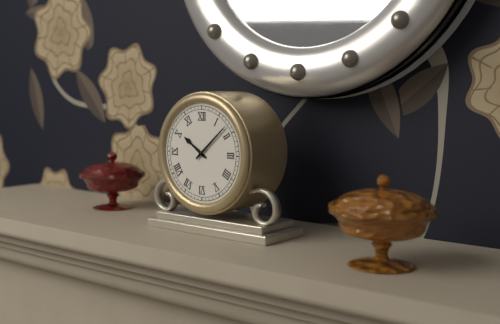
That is h=10 m=8
